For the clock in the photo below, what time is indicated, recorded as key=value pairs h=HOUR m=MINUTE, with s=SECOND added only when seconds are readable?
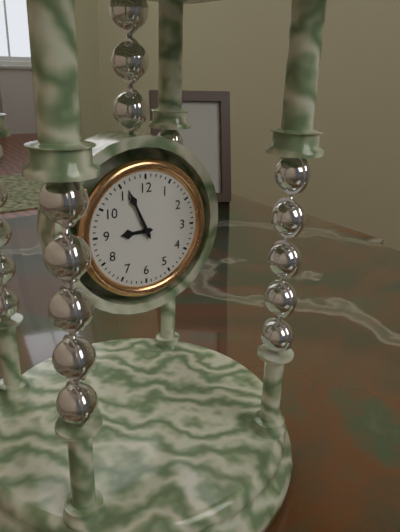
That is h=8 m=56
